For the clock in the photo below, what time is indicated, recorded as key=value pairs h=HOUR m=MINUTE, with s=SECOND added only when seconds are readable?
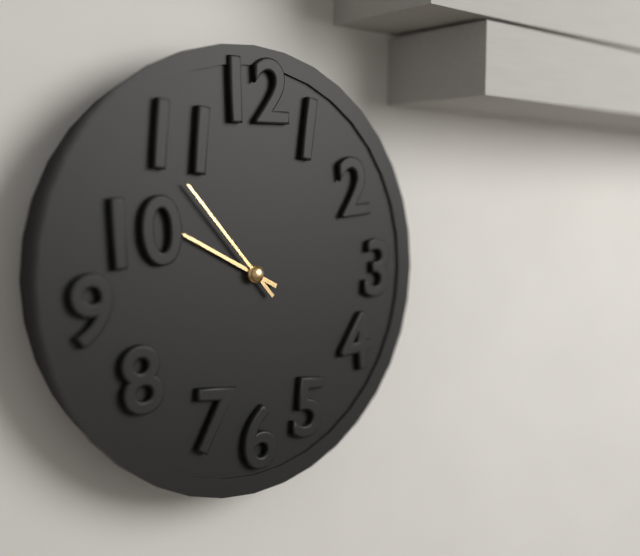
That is h=9 m=53
